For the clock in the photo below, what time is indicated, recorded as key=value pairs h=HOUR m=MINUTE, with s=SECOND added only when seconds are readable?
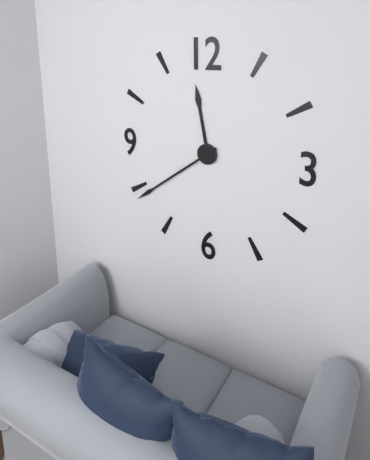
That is h=11 m=39
